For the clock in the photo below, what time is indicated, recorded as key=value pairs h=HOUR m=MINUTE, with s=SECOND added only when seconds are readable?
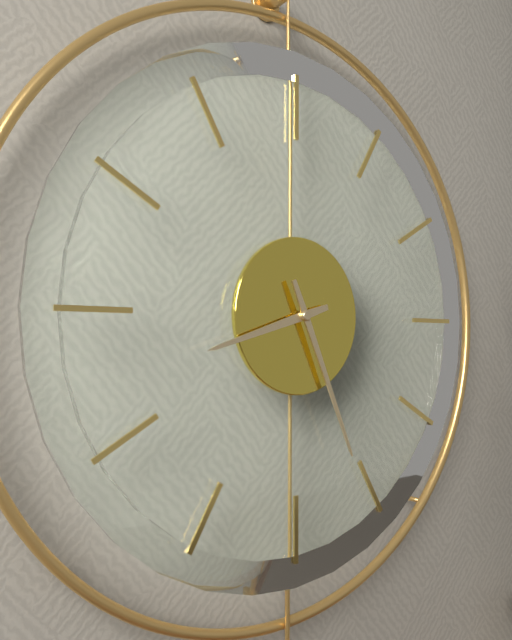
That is h=8 m=26
